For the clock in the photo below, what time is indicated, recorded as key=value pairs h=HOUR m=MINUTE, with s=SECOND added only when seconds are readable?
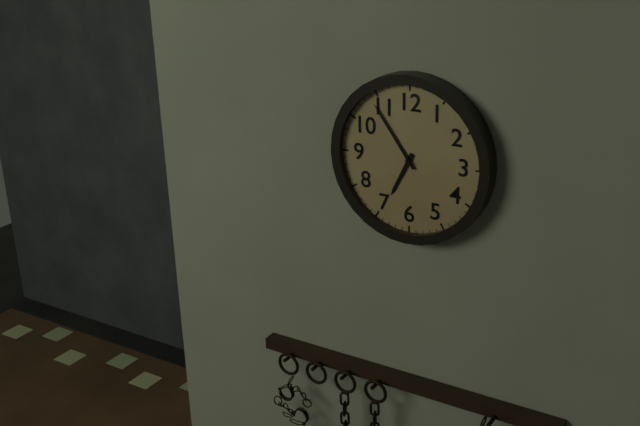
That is h=6 m=54
